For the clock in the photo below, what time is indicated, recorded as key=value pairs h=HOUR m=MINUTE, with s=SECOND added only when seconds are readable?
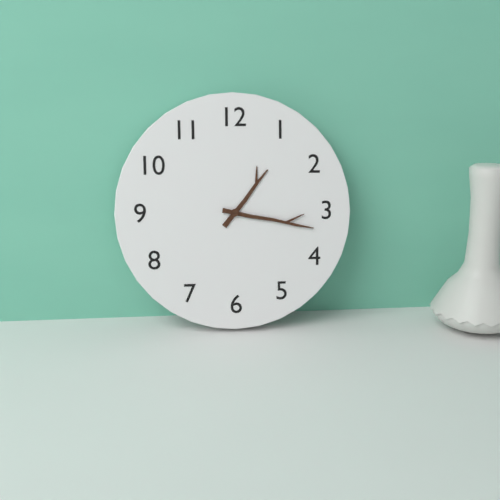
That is h=1 m=17
